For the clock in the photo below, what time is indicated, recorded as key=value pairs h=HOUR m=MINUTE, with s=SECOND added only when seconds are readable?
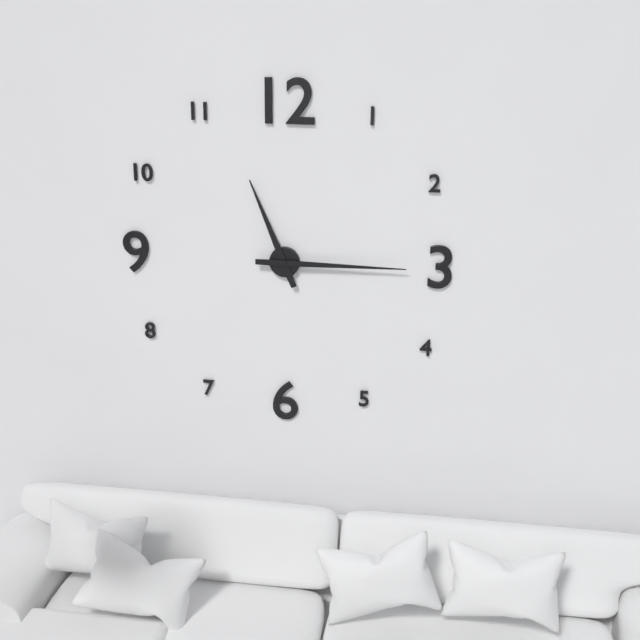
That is h=11 m=15
